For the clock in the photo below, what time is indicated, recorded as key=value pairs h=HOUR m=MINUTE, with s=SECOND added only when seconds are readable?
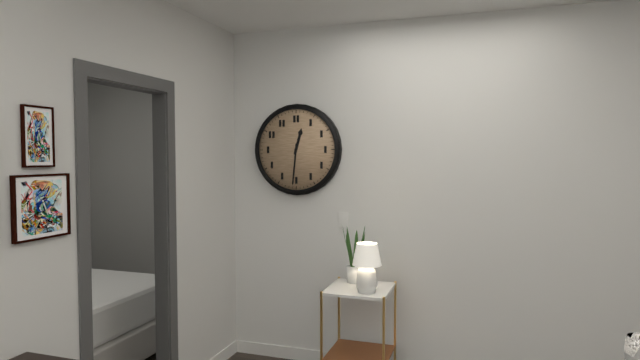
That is h=12 m=31
